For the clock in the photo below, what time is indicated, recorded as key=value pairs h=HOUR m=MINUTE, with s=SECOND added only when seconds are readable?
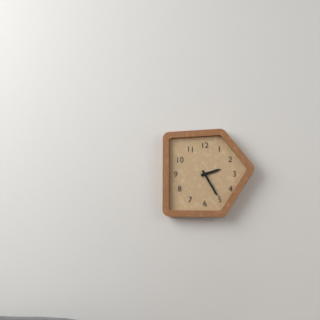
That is h=2 m=25
